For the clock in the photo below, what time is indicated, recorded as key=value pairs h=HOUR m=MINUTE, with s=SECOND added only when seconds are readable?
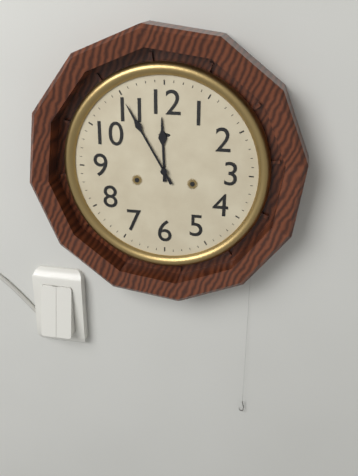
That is h=11 m=55
